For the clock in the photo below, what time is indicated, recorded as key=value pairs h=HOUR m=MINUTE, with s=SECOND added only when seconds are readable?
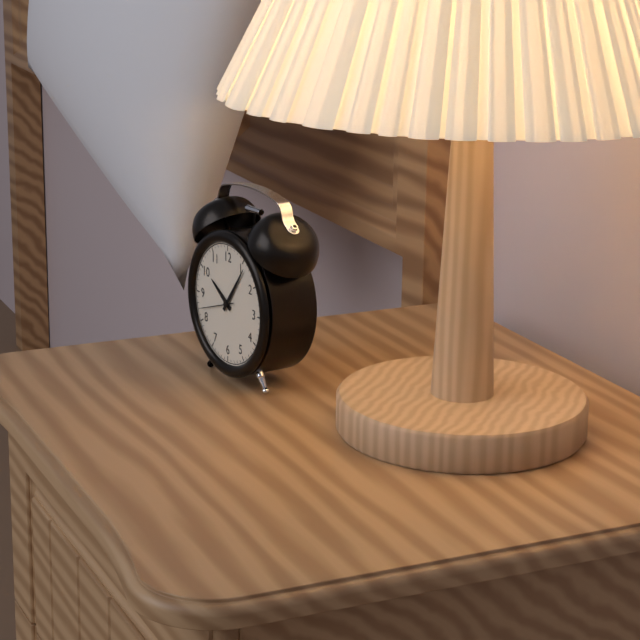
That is h=10 m=6
